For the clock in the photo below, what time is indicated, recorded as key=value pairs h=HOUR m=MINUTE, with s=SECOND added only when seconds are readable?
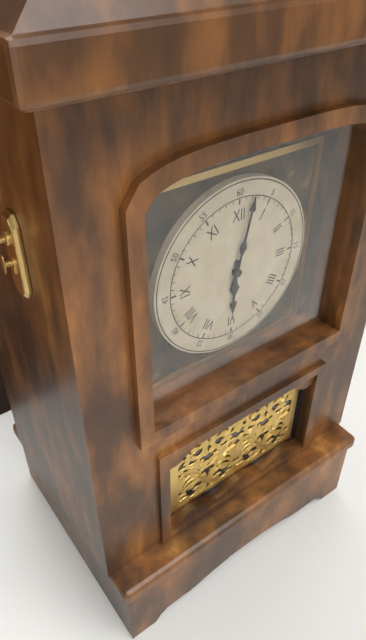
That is h=6 m=2
